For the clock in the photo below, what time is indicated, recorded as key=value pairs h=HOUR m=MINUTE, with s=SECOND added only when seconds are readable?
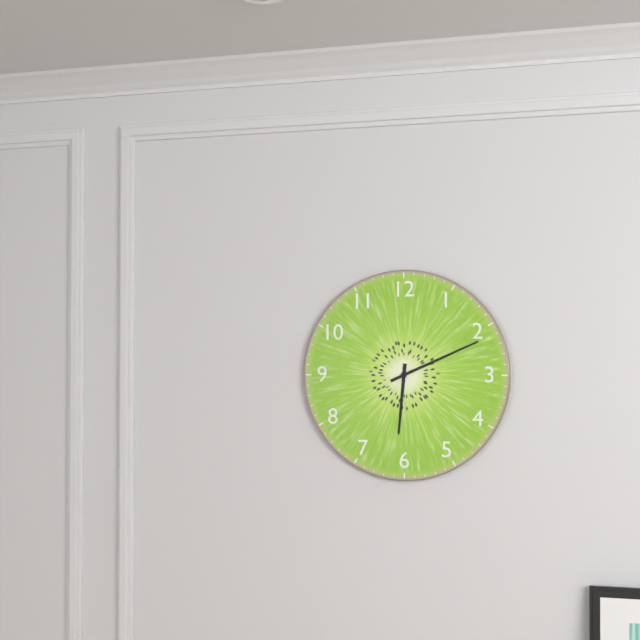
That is h=6 m=11
